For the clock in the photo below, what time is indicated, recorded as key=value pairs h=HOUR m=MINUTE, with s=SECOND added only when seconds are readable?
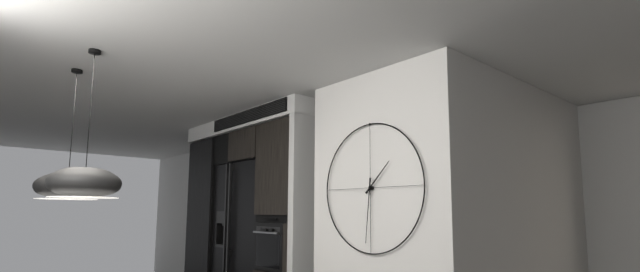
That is h=1 m=31
